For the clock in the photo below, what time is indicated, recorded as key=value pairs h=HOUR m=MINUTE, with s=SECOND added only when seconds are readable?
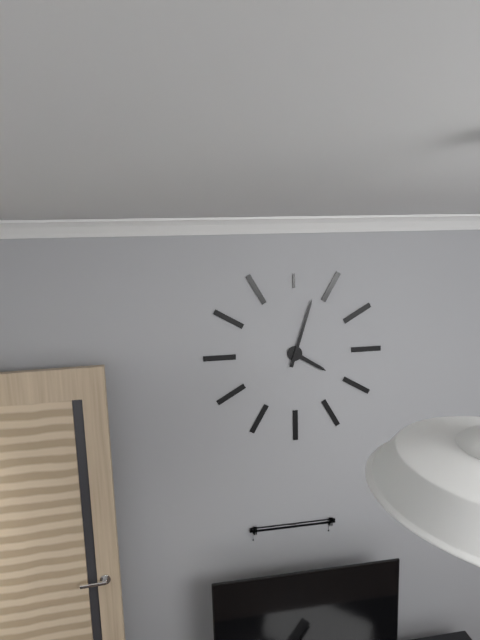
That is h=4 m=3
